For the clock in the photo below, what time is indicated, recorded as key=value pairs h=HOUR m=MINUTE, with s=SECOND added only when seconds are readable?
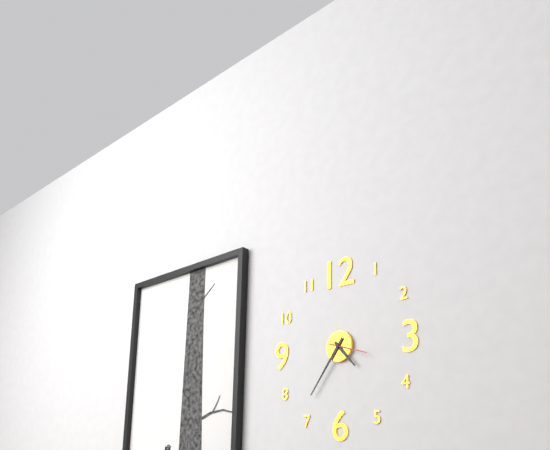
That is h=4 m=36
